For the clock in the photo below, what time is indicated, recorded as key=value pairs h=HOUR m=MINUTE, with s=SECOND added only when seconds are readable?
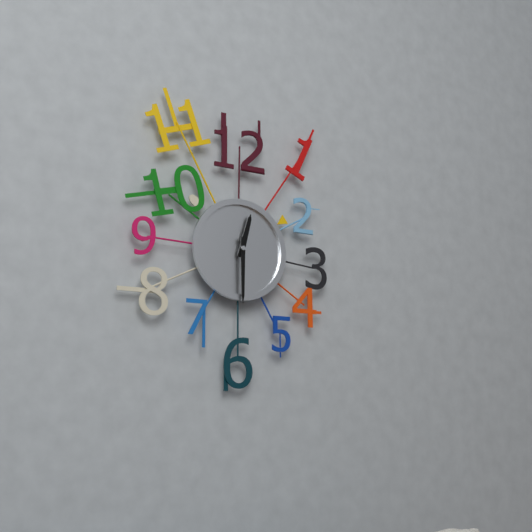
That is h=12 m=30
